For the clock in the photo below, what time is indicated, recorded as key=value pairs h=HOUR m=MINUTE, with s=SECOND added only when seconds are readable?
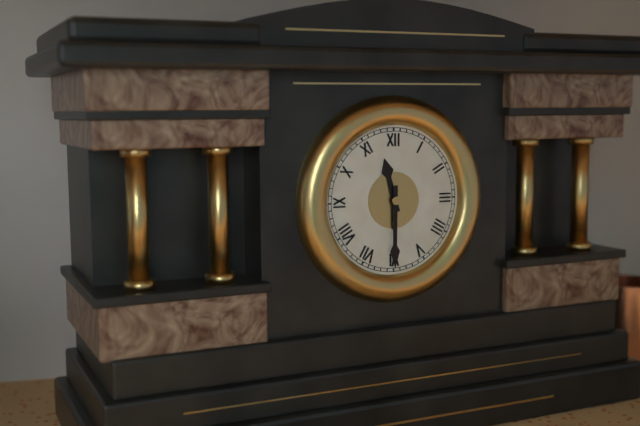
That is h=11 m=30
